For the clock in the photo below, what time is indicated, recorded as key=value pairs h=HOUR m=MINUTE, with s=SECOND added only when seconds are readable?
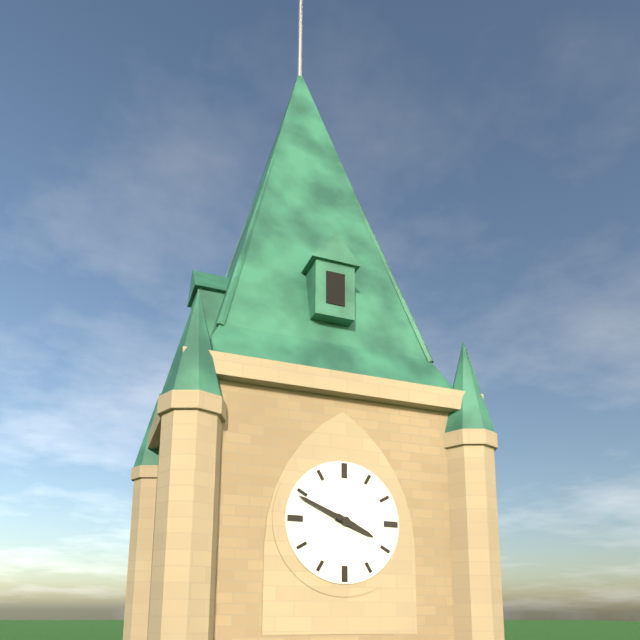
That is h=3 m=49
